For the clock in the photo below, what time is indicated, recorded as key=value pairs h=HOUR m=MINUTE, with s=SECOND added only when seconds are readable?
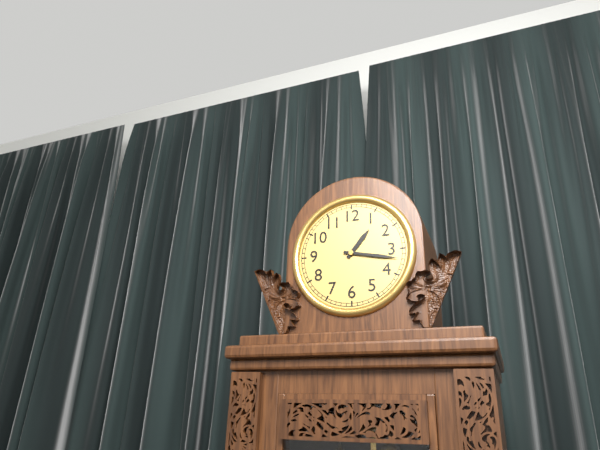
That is h=1 m=17
